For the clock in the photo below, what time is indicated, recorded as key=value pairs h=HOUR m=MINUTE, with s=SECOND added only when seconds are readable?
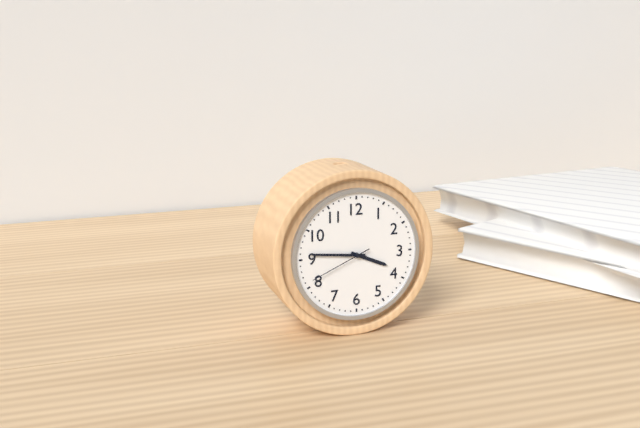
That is h=3 m=46 s=41
